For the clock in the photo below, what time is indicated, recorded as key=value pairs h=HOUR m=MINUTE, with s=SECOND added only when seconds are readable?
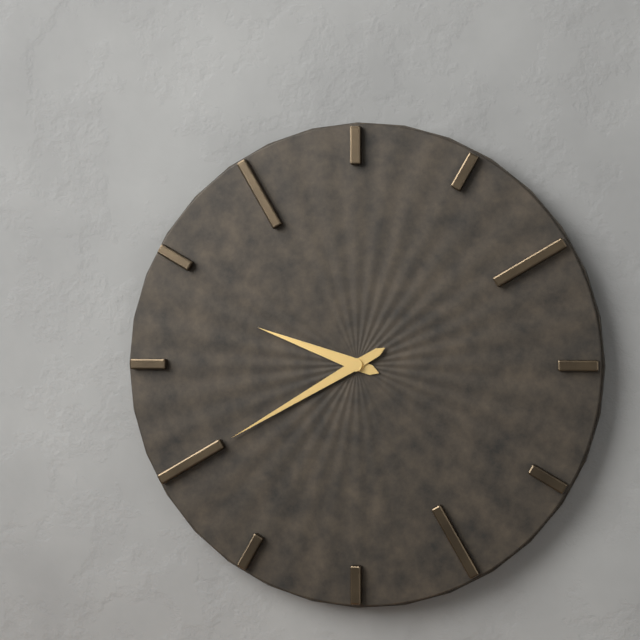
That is h=9 m=40
